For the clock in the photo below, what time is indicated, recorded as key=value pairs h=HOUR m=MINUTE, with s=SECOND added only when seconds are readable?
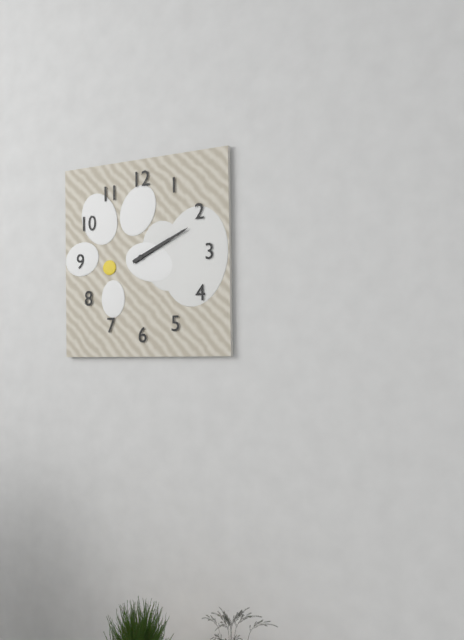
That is h=2 m=11
